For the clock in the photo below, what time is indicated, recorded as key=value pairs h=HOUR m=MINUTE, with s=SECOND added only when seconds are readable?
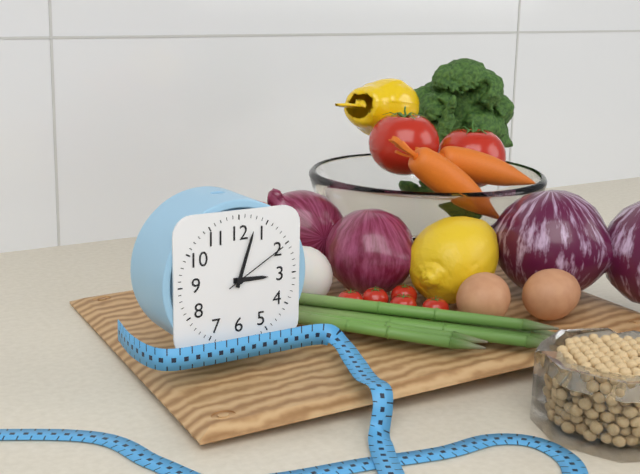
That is h=3 m=3 s=10
